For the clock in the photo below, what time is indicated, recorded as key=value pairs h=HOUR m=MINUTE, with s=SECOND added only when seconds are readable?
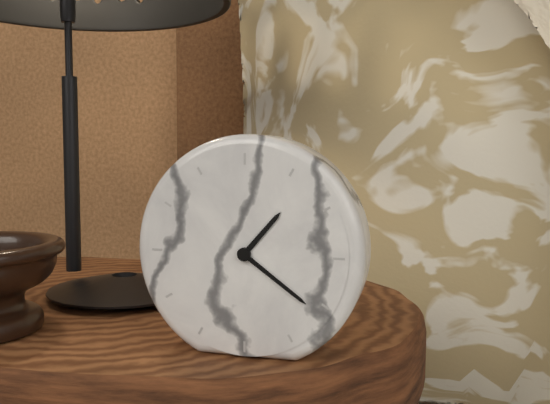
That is h=1 m=21
